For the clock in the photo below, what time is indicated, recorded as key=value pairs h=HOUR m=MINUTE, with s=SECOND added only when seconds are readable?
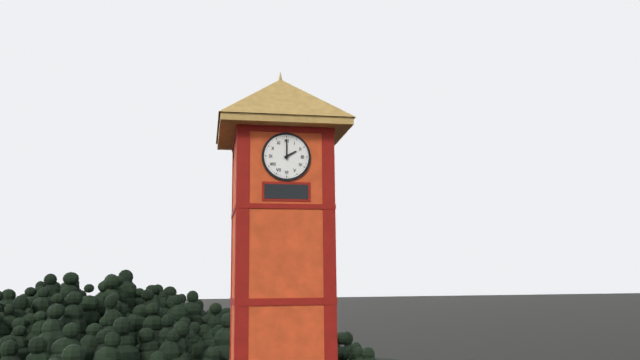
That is h=2 m=0
